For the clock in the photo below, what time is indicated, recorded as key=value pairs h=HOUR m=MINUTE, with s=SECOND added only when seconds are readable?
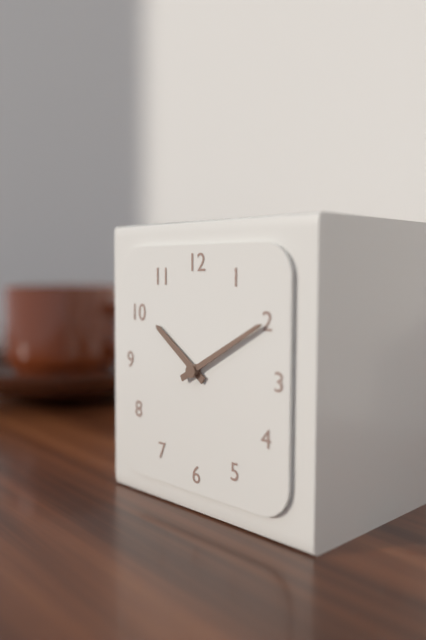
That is h=10 m=10
